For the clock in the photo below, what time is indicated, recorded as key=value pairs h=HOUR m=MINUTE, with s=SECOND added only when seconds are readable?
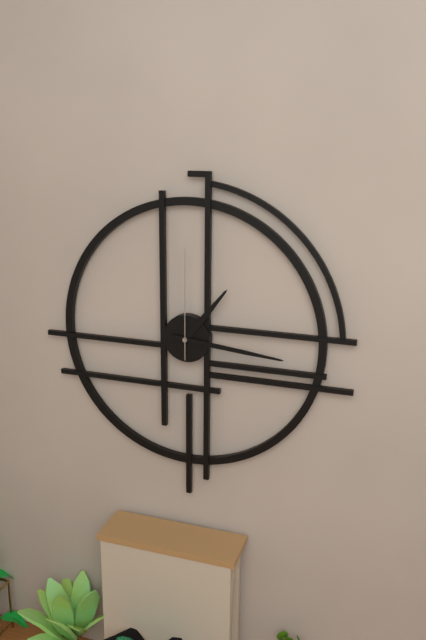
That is h=1 m=16 s=0
